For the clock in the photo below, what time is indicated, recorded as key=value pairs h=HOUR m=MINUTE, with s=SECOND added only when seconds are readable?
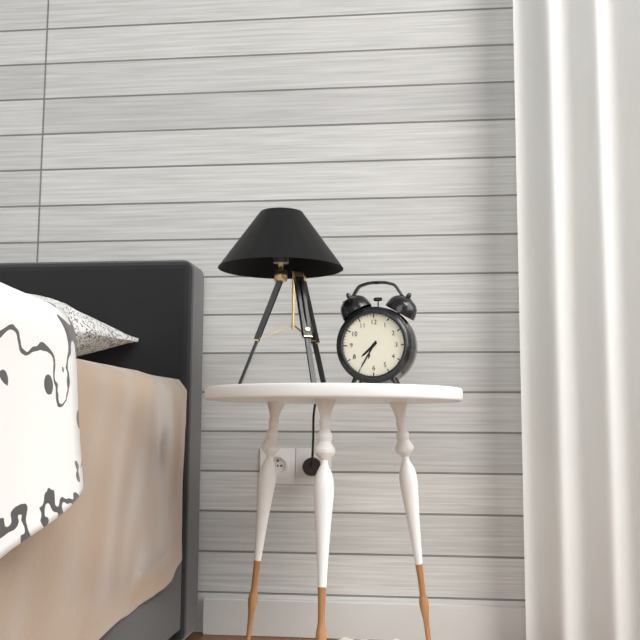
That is h=7 m=35
